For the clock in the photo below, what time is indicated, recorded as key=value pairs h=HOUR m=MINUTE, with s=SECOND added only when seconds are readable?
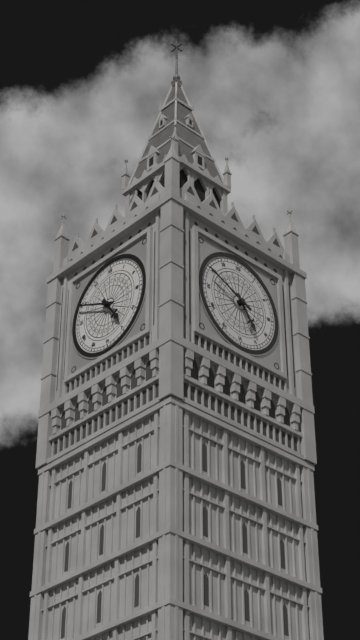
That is h=4 m=49
